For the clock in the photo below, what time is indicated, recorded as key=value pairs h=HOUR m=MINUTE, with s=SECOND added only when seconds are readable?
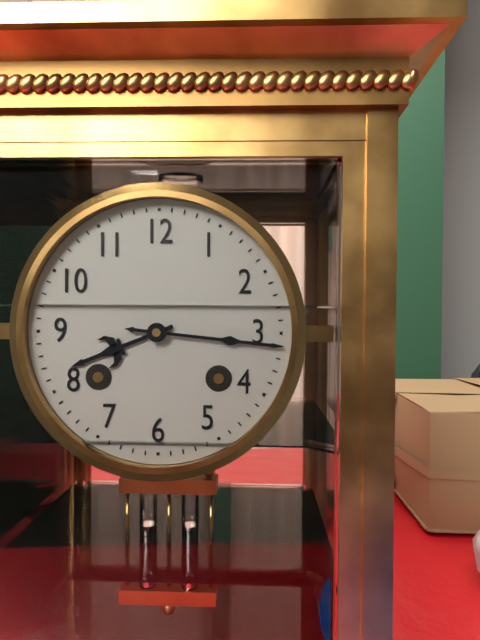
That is h=8 m=16
